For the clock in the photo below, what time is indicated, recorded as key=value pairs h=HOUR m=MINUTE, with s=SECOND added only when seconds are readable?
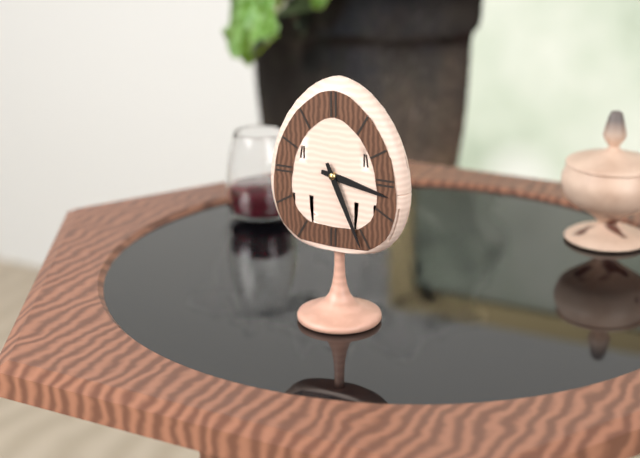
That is h=3 m=26
